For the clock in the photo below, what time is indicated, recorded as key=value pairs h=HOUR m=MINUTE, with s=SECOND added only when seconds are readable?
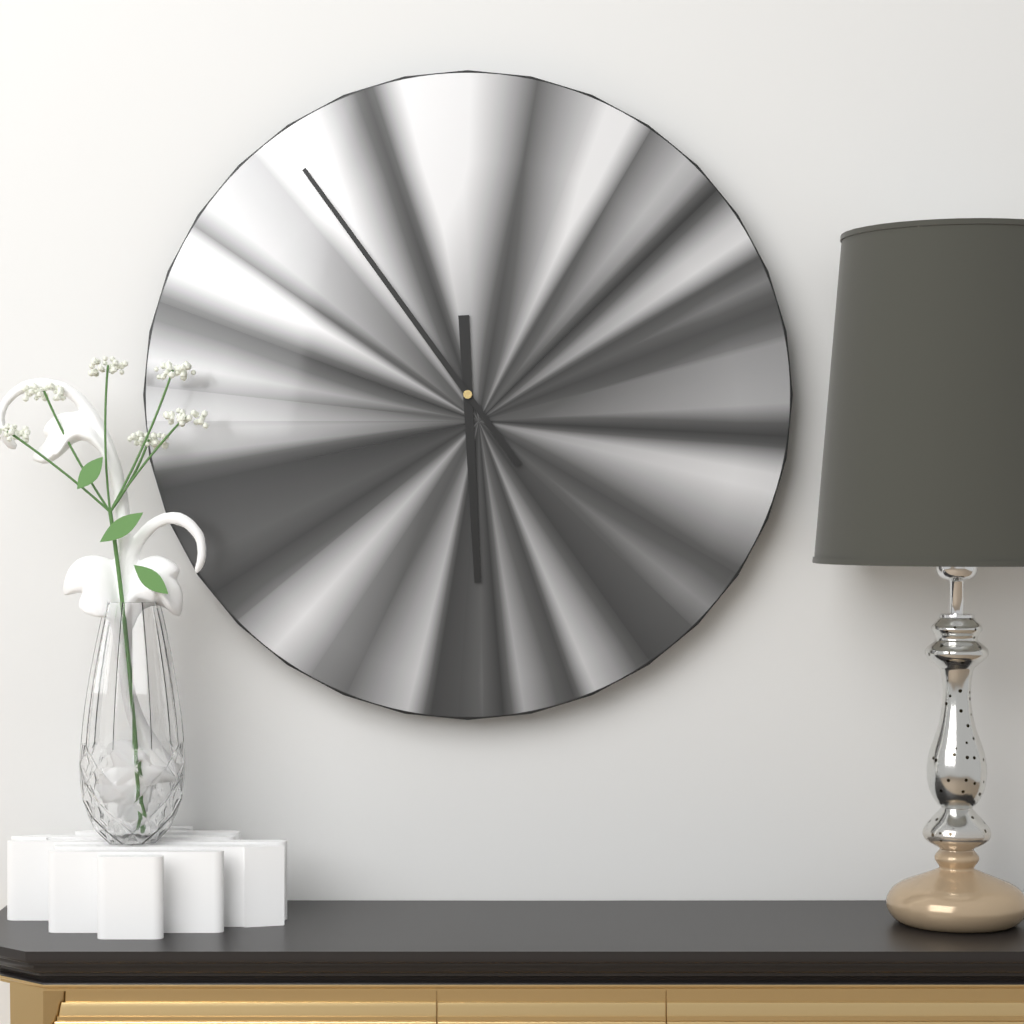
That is h=5 m=54
